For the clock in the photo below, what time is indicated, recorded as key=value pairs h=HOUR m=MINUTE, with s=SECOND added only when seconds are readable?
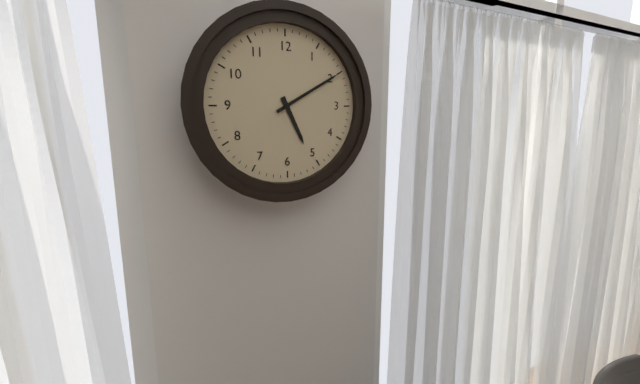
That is h=5 m=10
